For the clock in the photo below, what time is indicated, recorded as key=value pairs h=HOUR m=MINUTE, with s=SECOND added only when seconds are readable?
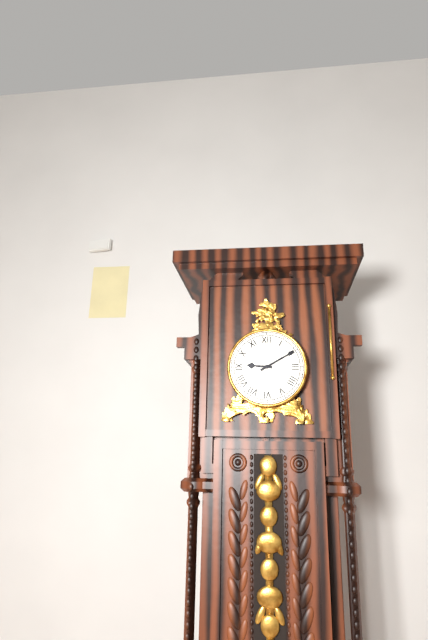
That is h=9 m=10
